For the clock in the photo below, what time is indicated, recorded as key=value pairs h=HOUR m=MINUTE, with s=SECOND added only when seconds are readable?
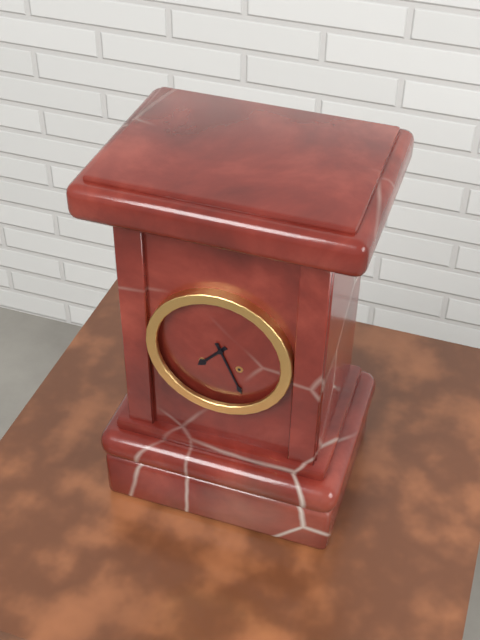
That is h=7 m=26
